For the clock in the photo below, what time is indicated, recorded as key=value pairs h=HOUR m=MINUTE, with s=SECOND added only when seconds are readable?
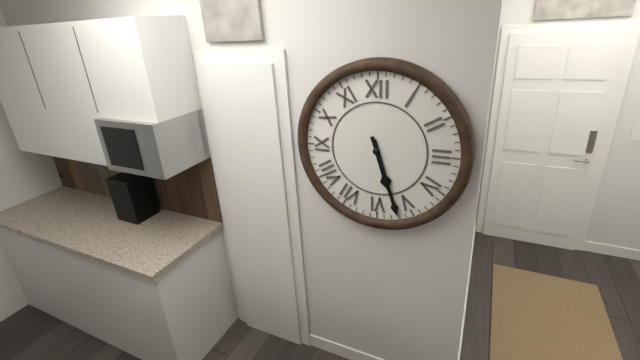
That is h=5 m=27
